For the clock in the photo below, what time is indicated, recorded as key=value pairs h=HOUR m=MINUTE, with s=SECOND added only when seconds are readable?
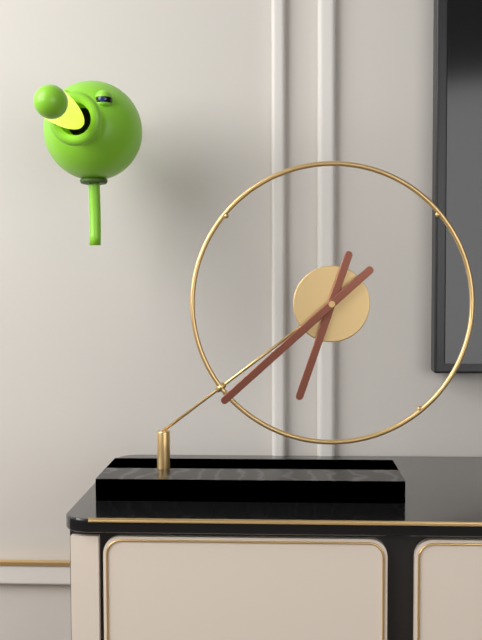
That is h=6 m=38
